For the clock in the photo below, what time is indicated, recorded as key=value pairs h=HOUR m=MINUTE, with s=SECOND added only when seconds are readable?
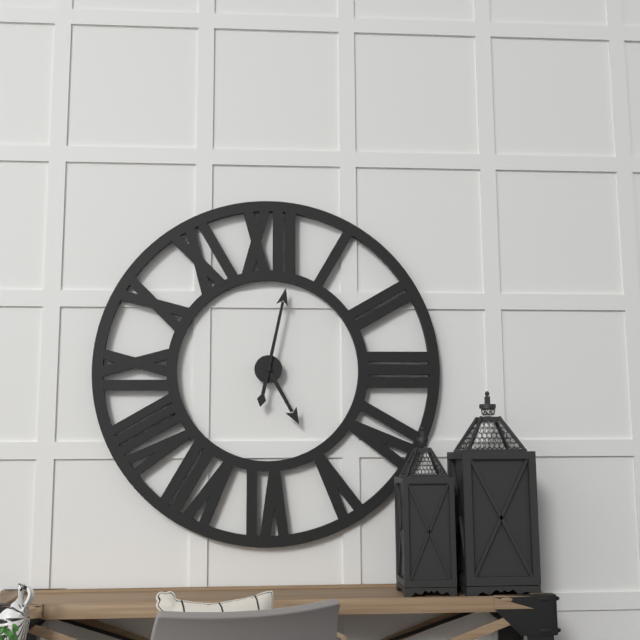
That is h=5 m=2
